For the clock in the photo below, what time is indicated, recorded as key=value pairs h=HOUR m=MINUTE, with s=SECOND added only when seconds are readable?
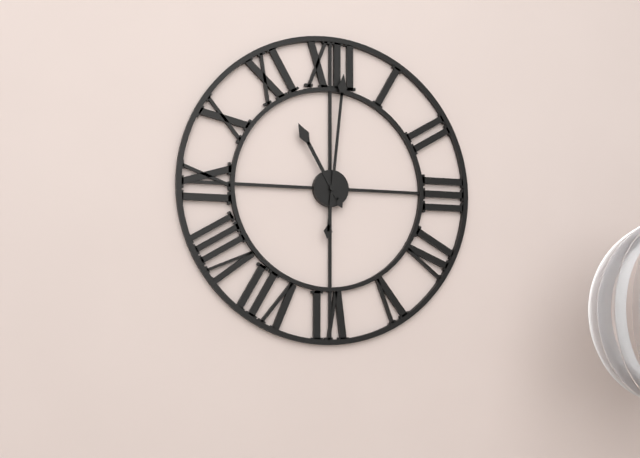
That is h=11 m=1
